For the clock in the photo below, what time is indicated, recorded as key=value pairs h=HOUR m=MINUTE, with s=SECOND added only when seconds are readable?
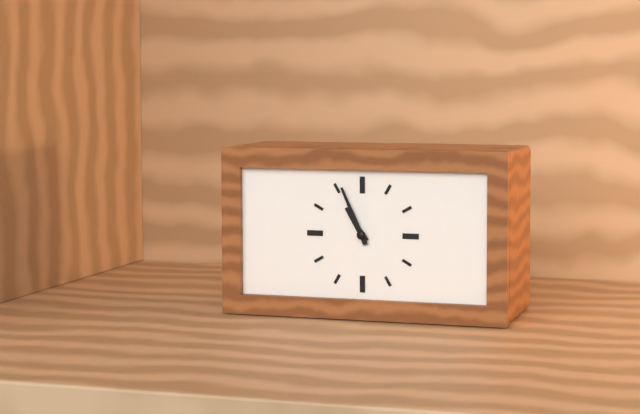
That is h=10 m=56
